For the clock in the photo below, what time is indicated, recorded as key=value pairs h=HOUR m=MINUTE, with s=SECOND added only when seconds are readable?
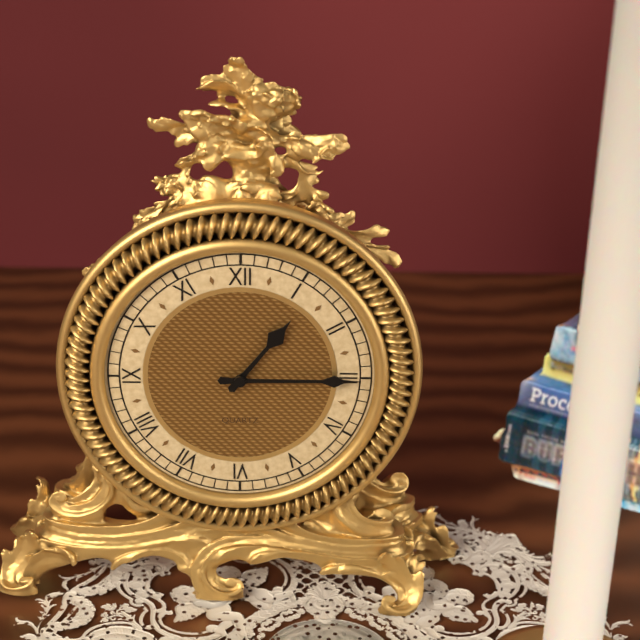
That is h=1 m=15
